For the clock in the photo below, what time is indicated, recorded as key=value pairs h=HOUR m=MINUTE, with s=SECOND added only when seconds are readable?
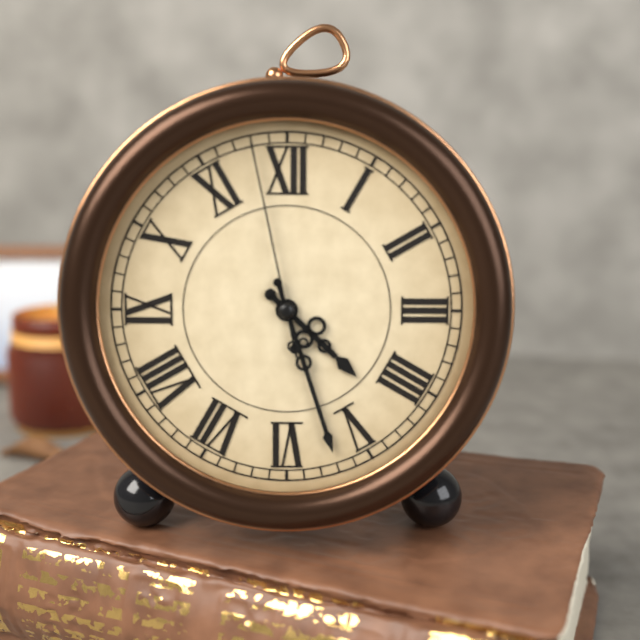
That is h=4 m=27 s=58
